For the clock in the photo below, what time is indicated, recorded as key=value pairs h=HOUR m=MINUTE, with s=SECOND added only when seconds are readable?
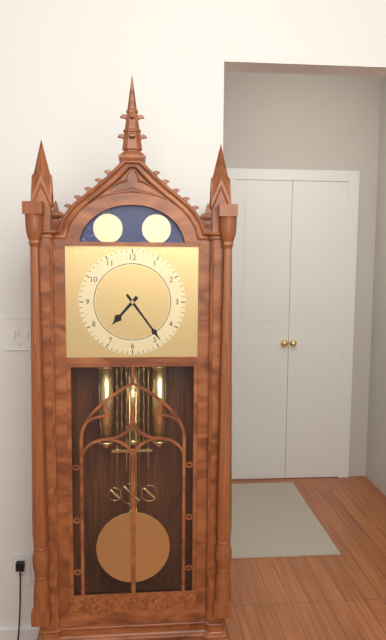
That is h=7 m=24
